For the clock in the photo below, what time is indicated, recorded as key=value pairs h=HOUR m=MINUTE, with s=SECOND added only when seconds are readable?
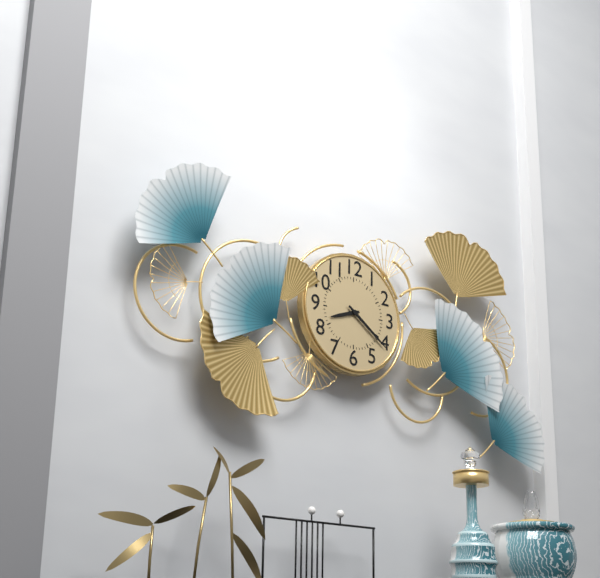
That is h=8 m=21
